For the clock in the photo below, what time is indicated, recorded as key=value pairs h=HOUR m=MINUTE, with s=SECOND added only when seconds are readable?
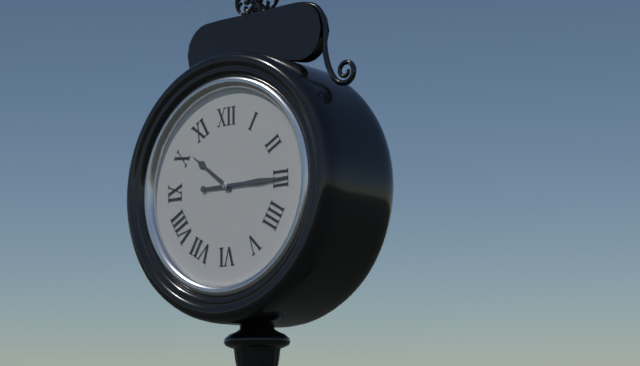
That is h=10 m=15
